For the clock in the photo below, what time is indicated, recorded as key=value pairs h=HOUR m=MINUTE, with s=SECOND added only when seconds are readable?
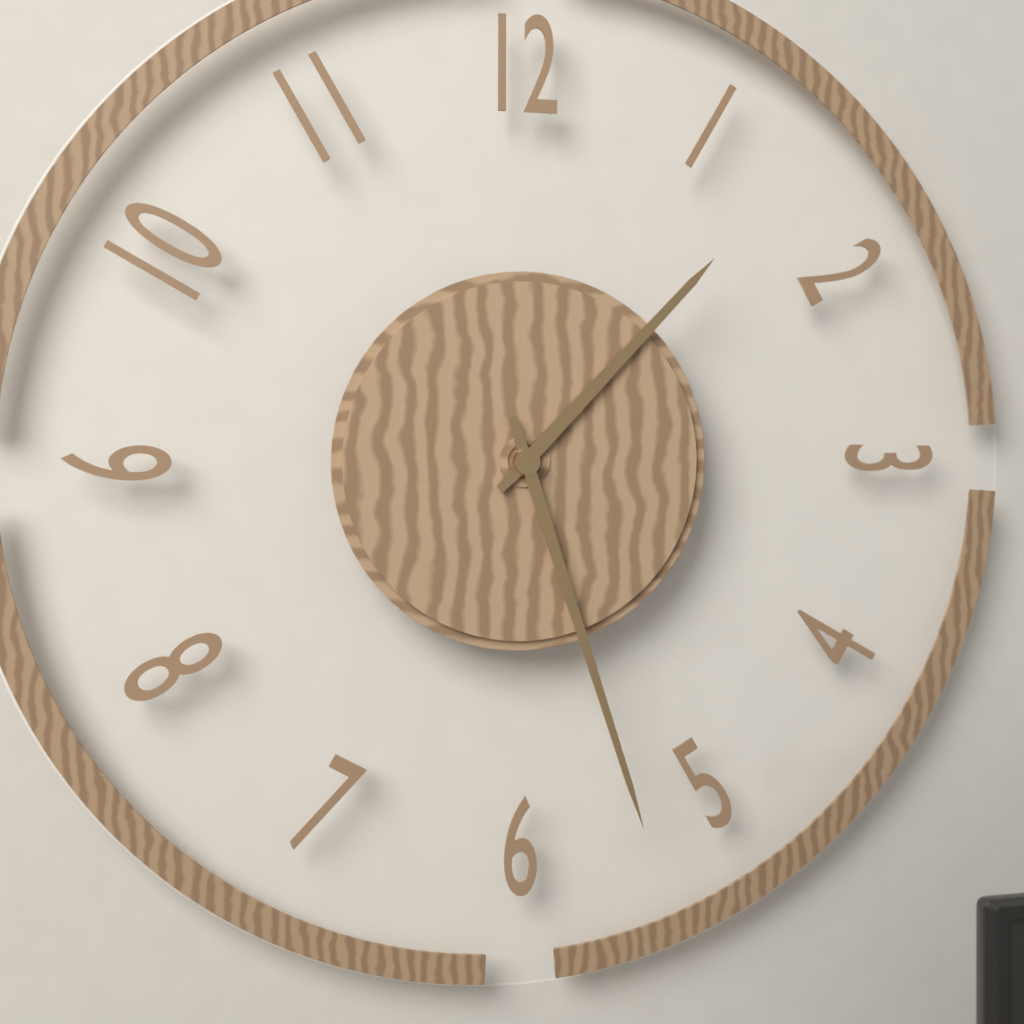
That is h=1 m=27
